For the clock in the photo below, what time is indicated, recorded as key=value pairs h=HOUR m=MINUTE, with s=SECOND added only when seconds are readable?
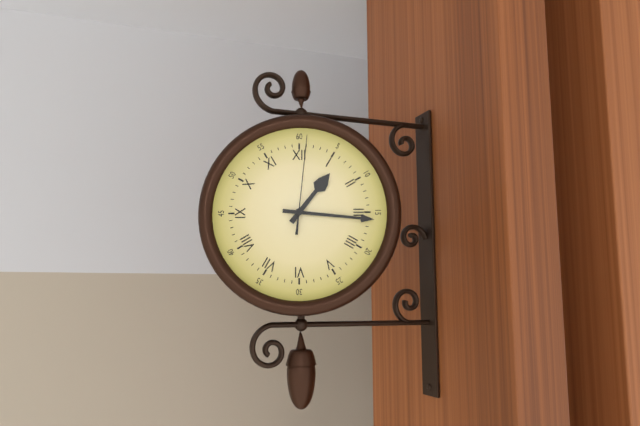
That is h=1 m=16 s=1
